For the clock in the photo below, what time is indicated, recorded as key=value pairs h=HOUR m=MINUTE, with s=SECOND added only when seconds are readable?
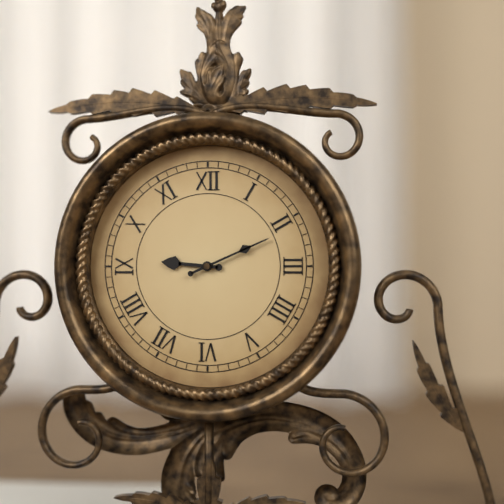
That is h=9 m=11
